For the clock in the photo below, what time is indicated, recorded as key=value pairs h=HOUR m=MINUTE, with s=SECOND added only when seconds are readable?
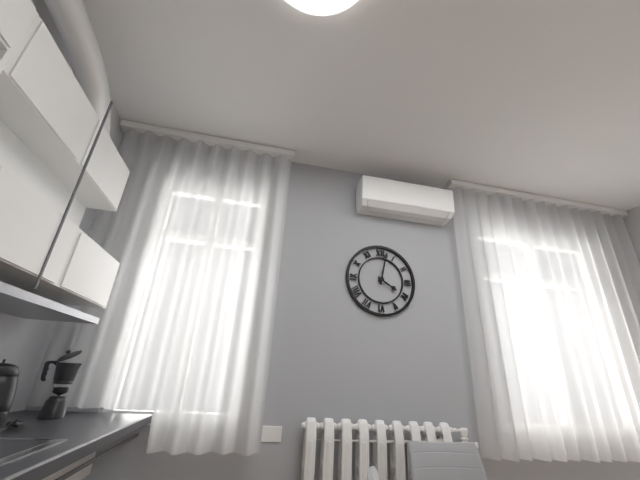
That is h=4 m=2
